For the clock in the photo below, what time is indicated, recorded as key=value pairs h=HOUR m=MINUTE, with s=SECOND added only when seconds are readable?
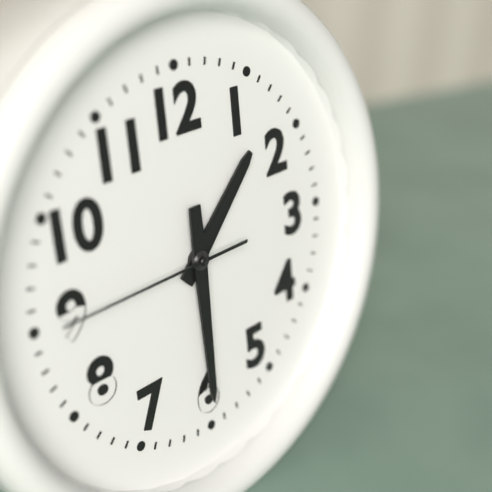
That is h=1 m=30 s=45
